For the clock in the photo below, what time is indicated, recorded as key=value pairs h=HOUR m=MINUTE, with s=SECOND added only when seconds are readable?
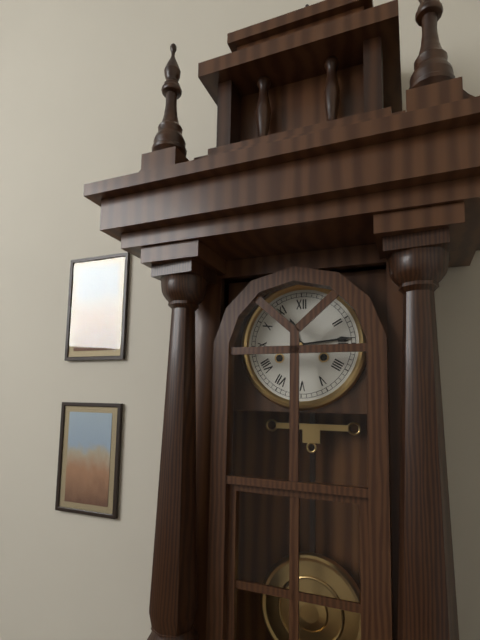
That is h=11 m=14
